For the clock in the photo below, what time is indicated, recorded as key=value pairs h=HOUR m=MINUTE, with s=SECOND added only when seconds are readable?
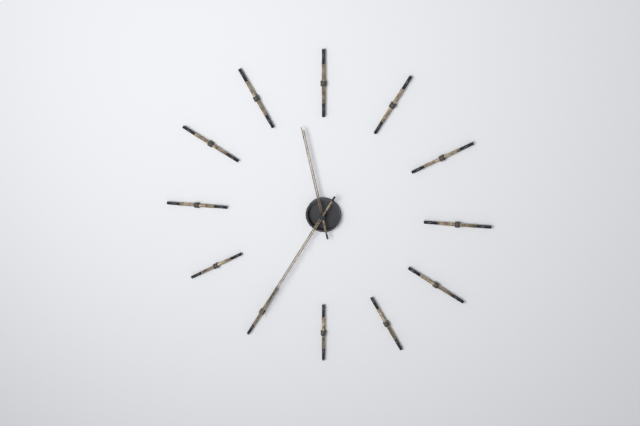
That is h=11 m=35
